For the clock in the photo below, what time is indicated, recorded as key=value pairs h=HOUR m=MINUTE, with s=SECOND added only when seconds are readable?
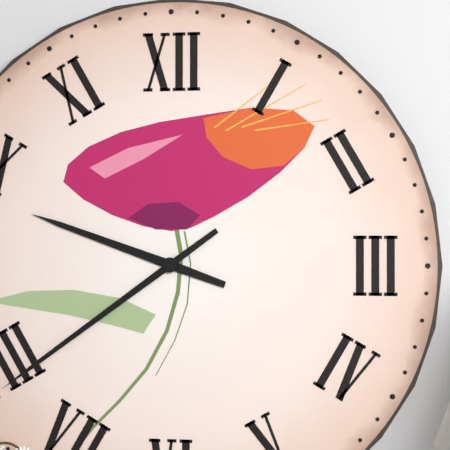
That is h=9 m=39
